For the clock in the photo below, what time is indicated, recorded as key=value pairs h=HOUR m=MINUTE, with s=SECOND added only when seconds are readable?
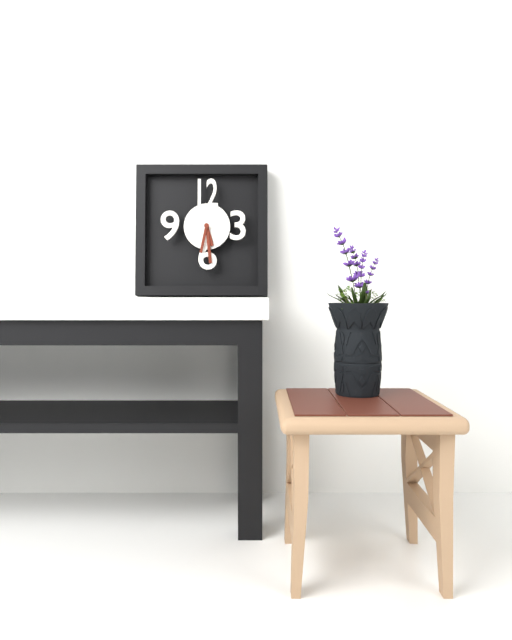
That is h=5 m=29
